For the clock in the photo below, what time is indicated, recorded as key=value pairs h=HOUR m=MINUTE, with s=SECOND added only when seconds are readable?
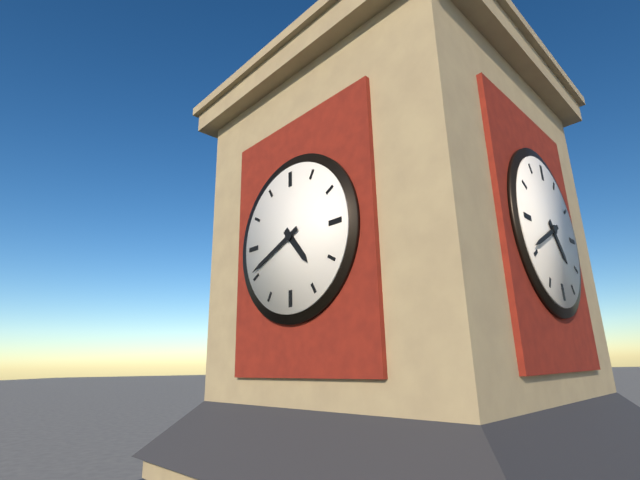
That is h=4 m=41
